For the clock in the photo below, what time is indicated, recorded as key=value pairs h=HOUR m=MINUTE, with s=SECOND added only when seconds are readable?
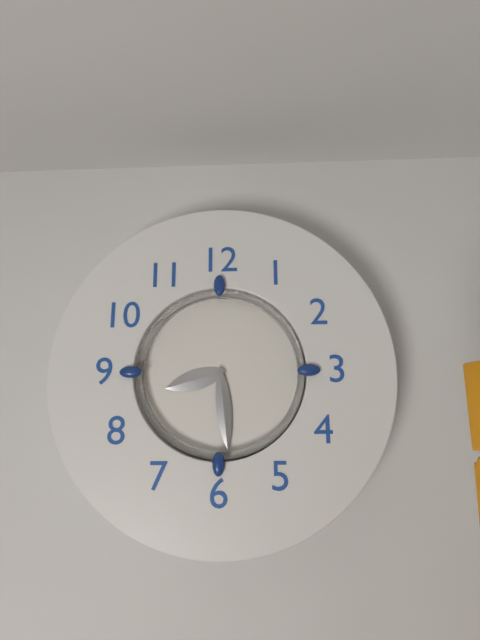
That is h=8 m=29
